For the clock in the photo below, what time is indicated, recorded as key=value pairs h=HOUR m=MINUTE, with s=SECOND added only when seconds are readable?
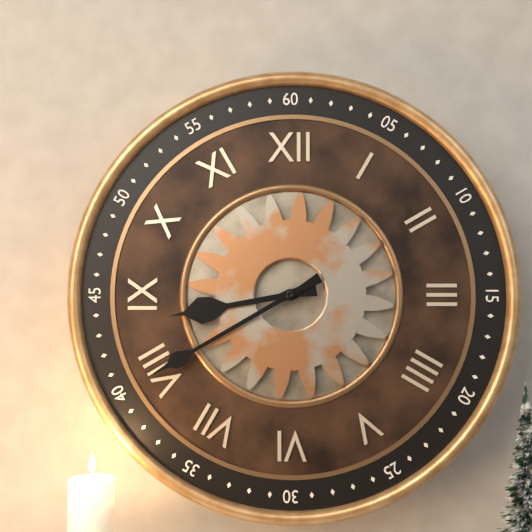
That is h=8 m=40
